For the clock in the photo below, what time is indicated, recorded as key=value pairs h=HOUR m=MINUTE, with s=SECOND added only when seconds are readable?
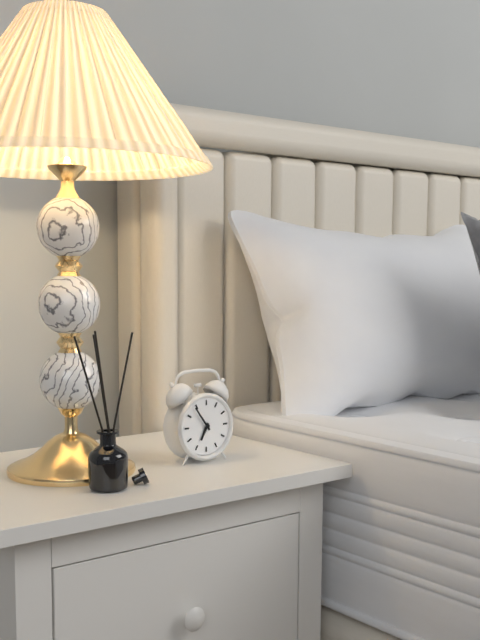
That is h=6 m=54
